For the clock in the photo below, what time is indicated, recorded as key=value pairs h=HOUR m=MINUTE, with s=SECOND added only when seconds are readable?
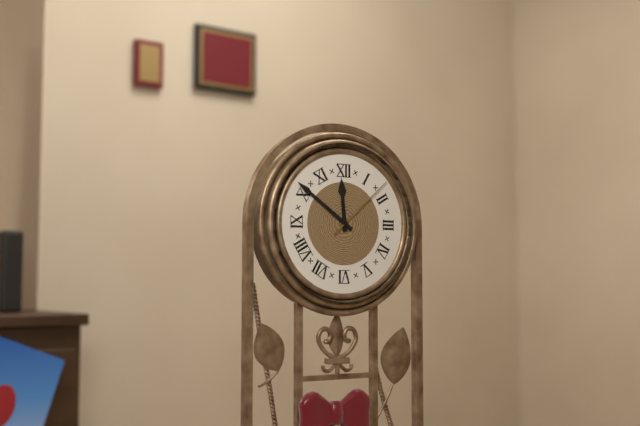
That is h=11 m=51 s=8
